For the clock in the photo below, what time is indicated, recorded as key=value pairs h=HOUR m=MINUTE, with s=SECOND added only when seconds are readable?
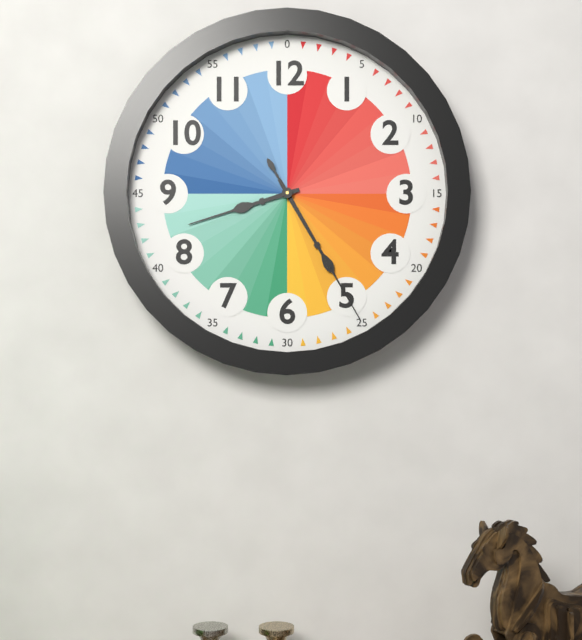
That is h=8 m=25 s=25
